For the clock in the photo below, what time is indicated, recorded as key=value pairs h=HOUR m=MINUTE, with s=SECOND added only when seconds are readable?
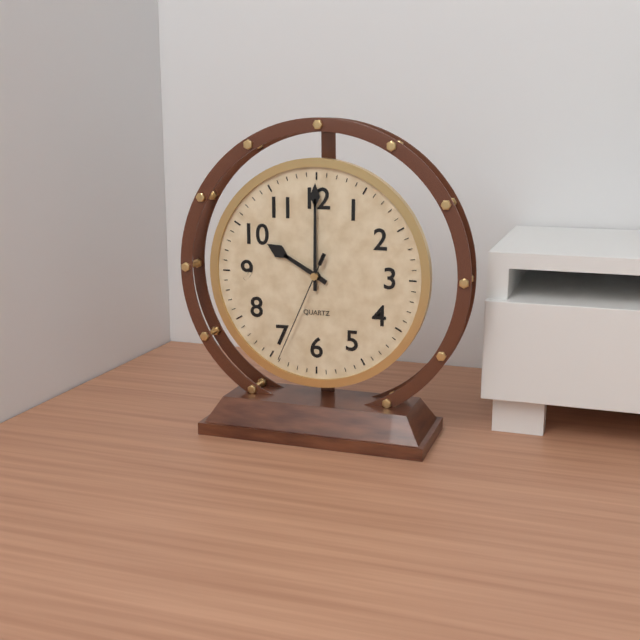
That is h=10 m=0 s=34
